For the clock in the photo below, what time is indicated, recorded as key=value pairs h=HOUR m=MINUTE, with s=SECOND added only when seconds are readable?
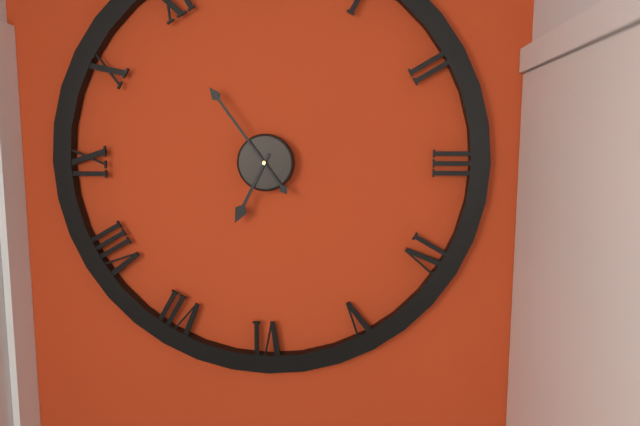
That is h=6 m=54
